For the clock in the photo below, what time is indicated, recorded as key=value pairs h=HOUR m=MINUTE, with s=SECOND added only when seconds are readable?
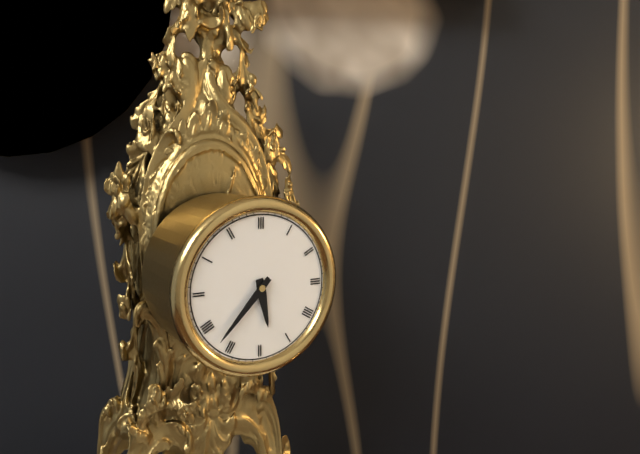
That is h=5 m=37
